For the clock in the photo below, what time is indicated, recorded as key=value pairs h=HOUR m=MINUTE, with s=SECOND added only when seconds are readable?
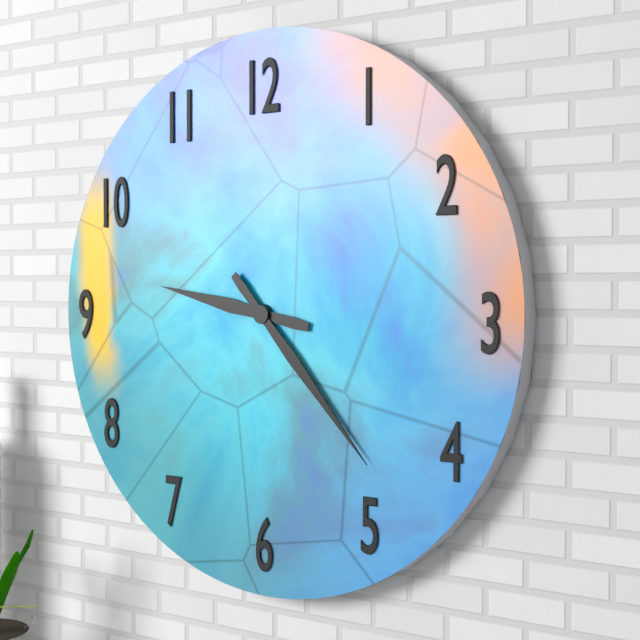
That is h=9 m=23
